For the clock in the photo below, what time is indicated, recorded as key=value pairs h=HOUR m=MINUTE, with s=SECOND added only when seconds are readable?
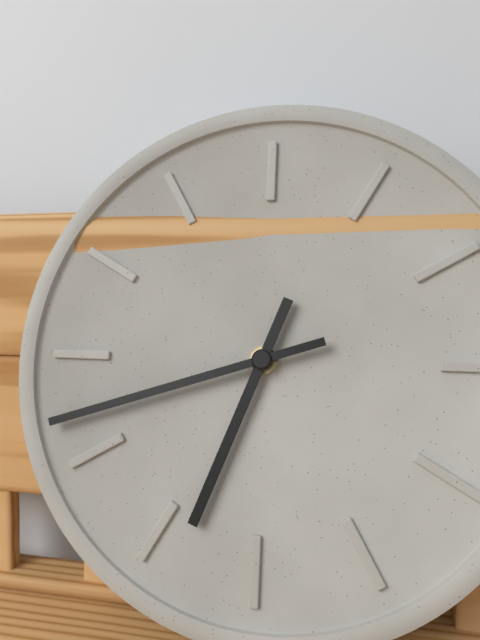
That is h=6 m=42
